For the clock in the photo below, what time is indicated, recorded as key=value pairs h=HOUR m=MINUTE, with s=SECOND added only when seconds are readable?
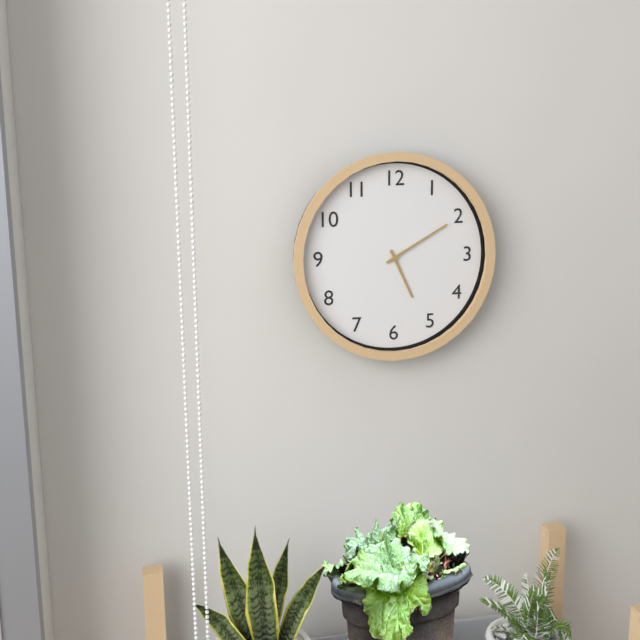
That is h=5 m=10
